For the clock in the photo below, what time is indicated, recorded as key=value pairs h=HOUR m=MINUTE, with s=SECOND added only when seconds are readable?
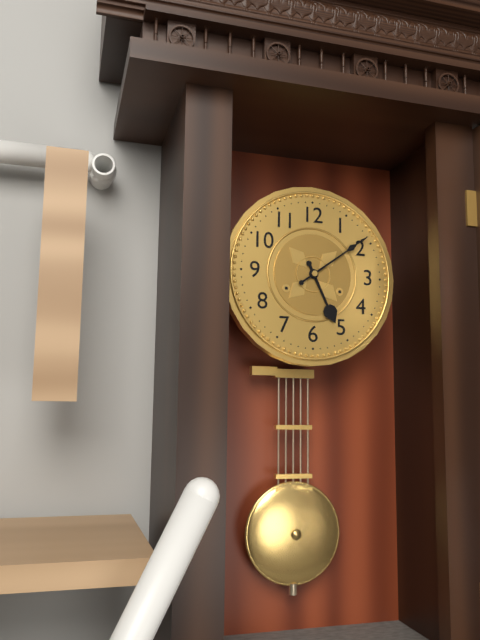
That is h=5 m=9
